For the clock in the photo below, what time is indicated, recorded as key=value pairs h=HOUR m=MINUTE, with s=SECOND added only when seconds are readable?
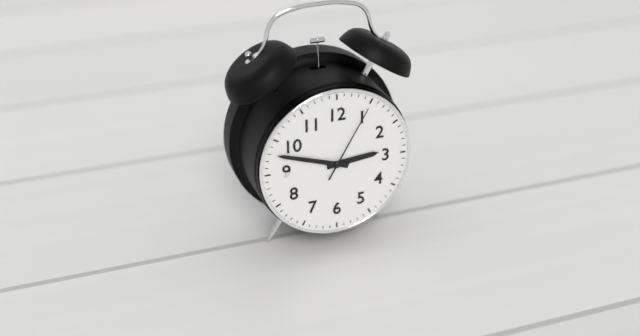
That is h=2 m=48 s=5
